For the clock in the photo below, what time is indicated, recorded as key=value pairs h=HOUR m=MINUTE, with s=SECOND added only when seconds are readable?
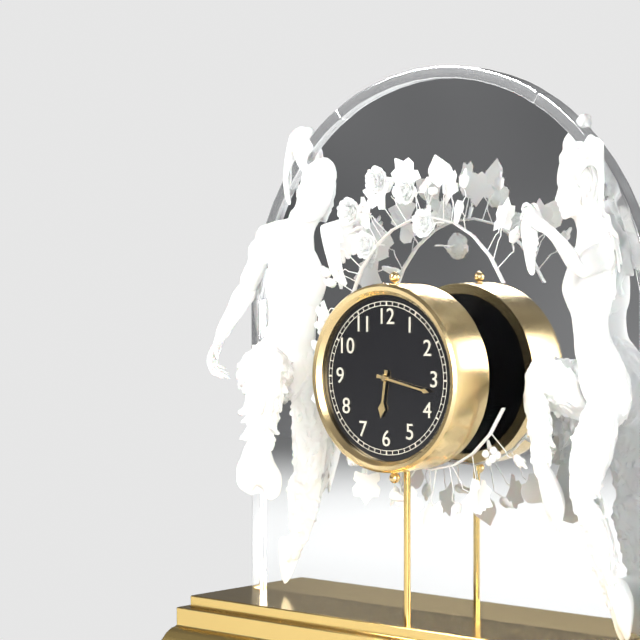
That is h=6 m=17
